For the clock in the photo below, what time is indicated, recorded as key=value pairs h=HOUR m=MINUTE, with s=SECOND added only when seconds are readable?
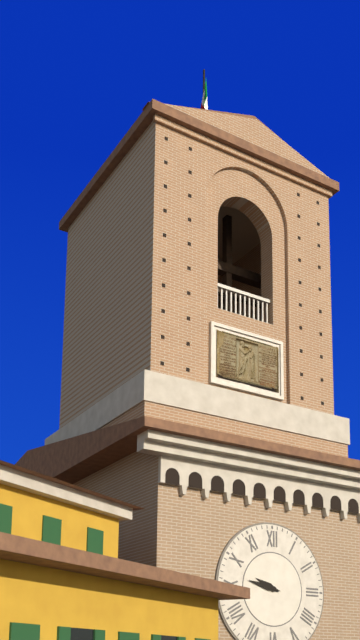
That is h=9 m=47
